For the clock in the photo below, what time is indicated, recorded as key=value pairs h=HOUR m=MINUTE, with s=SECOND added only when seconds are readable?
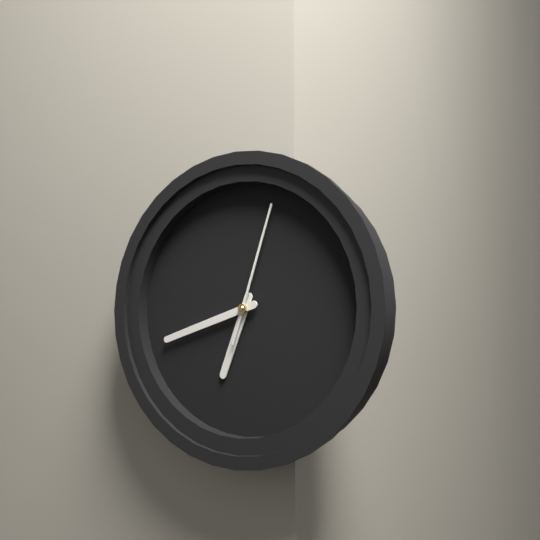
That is h=6 m=42 s=3
